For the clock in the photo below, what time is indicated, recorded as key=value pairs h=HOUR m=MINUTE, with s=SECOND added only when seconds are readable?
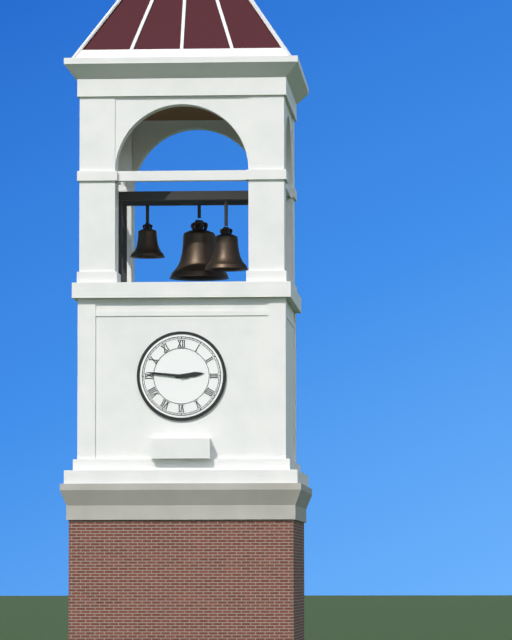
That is h=2 m=46
